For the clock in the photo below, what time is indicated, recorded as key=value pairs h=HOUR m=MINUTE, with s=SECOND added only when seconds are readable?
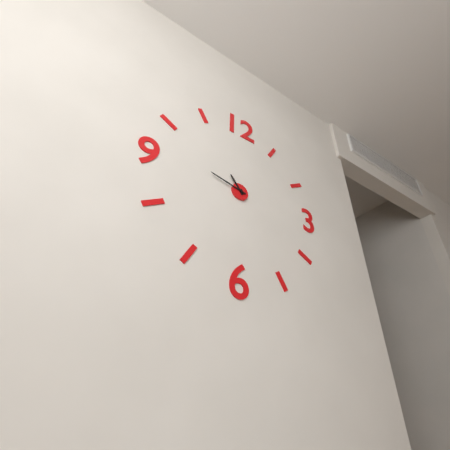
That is h=10 m=47
